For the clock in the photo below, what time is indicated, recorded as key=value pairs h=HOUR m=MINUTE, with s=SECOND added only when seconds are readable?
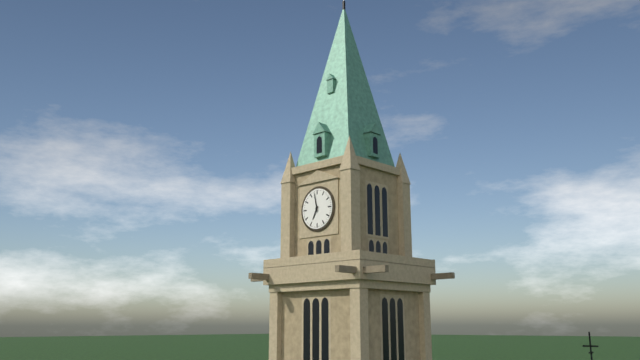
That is h=6 m=58
